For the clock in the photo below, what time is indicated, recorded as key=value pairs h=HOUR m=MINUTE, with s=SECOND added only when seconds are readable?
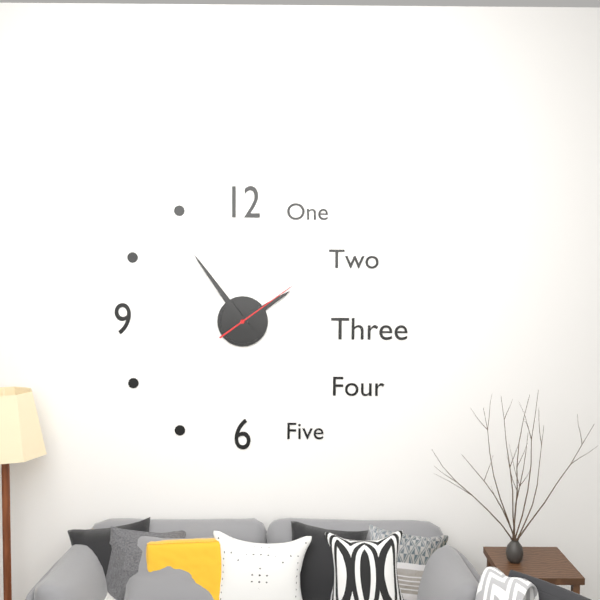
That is h=1 m=54 s=9
